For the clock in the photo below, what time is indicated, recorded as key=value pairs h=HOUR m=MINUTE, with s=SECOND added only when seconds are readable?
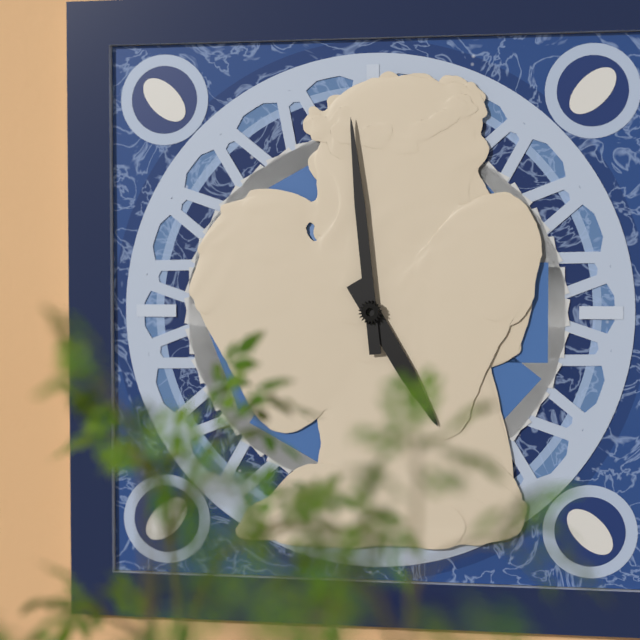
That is h=4 m=59
